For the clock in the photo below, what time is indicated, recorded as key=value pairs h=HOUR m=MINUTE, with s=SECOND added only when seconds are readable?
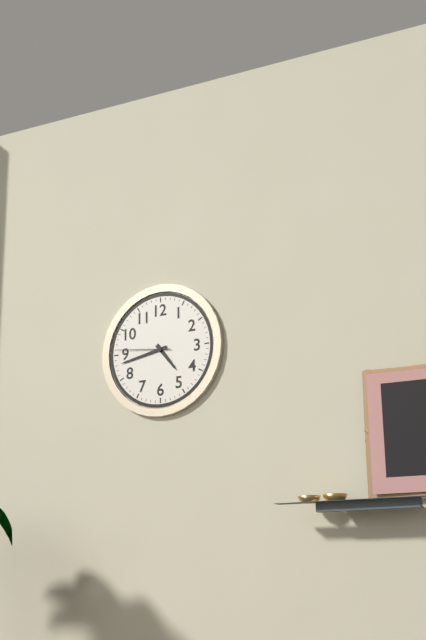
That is h=4 m=43 s=46
